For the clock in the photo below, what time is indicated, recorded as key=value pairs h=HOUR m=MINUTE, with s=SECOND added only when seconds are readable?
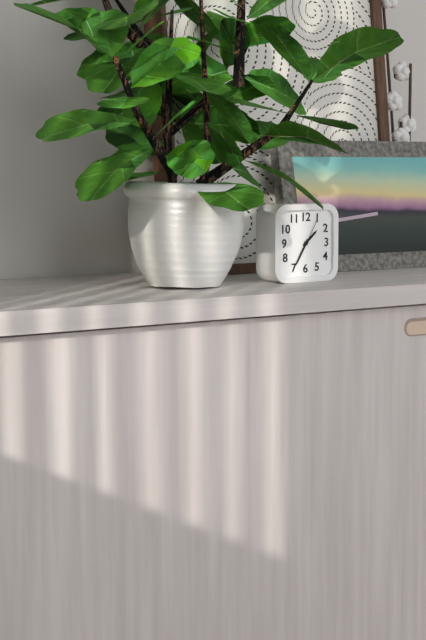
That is h=1 m=35
